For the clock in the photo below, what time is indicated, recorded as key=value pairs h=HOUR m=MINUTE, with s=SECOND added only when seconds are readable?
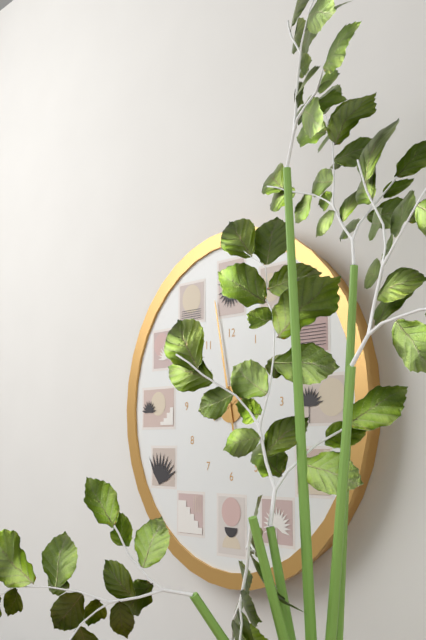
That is h=1 m=58
